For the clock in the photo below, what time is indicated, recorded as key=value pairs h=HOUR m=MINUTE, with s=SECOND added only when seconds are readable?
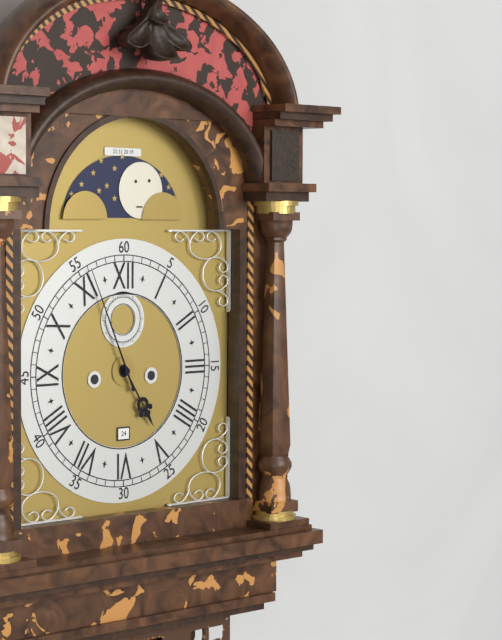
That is h=4 m=56
